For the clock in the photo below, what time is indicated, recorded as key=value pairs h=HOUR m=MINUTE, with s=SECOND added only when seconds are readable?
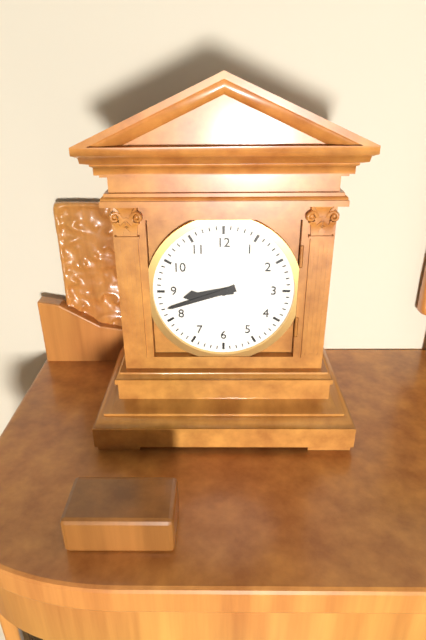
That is h=8 m=42
